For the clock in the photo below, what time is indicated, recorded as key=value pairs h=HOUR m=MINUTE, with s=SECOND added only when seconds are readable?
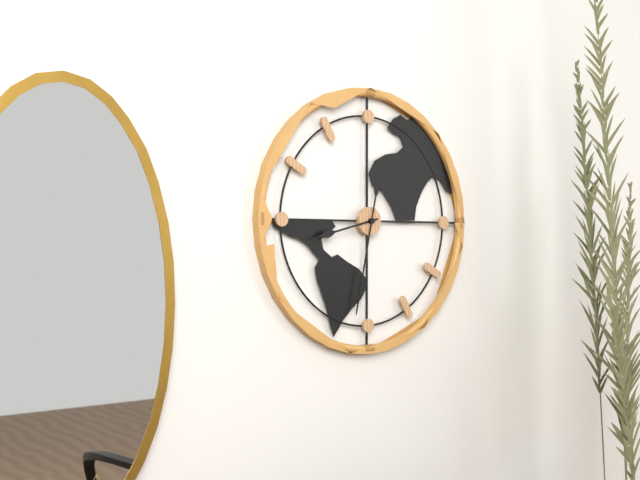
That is h=8 m=32
